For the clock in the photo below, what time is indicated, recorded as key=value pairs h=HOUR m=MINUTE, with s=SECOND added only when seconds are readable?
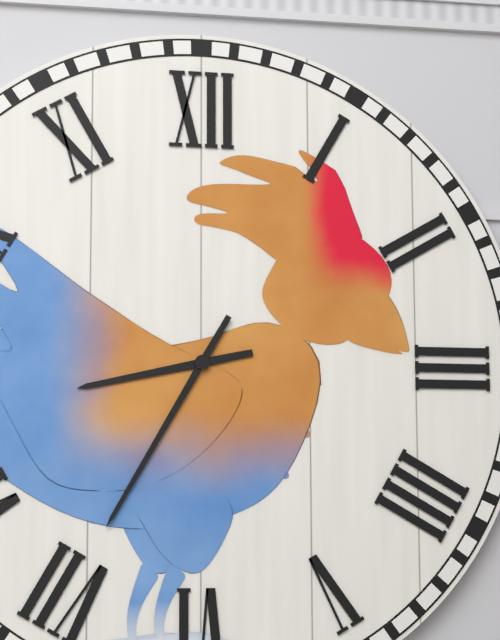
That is h=8 m=35
